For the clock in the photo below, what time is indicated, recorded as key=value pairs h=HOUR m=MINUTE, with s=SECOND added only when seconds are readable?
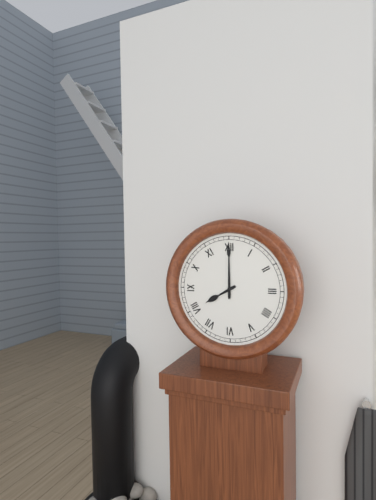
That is h=8 m=0
